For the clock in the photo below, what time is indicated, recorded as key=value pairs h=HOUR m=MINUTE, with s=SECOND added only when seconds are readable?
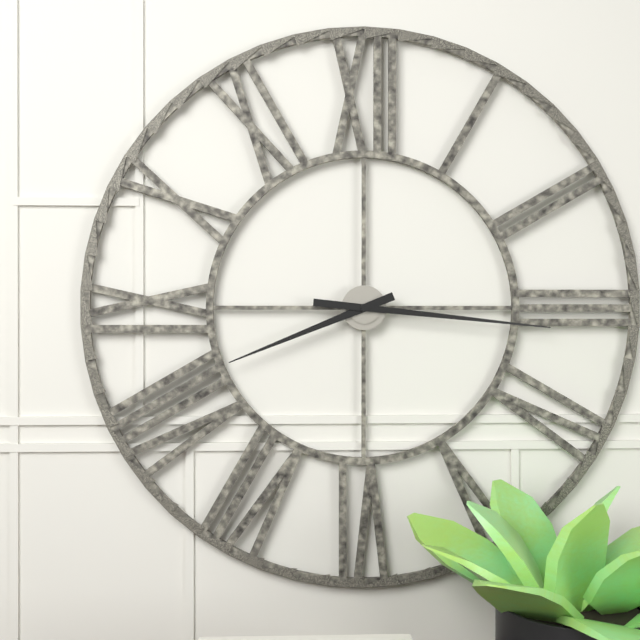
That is h=8 m=16
